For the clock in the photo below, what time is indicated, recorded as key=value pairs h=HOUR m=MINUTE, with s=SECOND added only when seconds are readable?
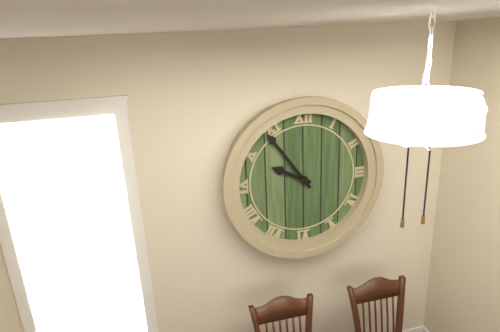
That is h=9 m=54
